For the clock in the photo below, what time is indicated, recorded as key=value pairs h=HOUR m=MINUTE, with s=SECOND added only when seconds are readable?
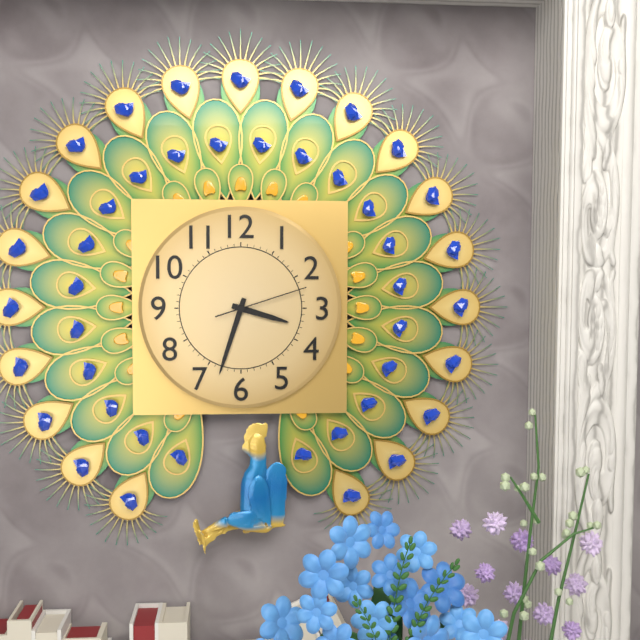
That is h=3 m=33 s=12
